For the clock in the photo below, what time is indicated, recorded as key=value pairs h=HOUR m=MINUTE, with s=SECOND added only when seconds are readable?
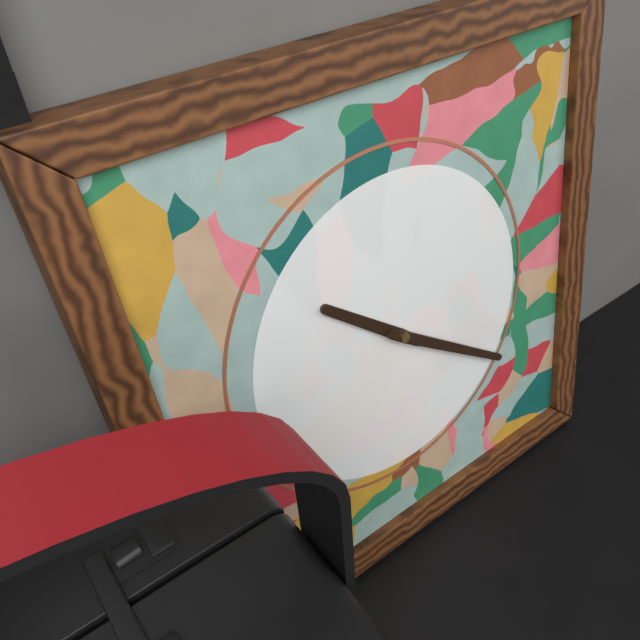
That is h=10 m=21
